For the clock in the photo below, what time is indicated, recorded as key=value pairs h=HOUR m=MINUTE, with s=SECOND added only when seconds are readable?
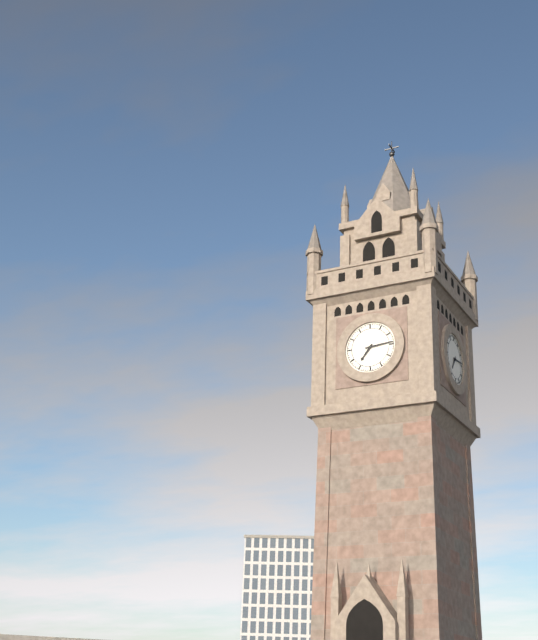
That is h=7 m=14
